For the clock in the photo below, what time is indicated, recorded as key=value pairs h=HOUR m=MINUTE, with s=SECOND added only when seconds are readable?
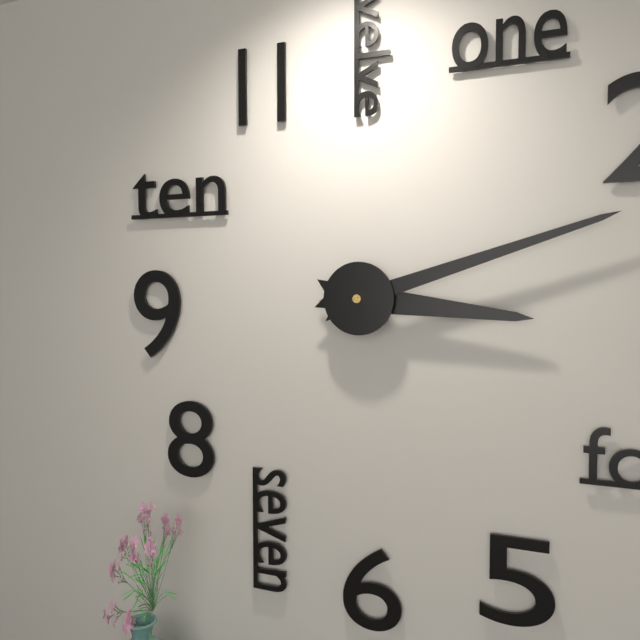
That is h=3 m=12
